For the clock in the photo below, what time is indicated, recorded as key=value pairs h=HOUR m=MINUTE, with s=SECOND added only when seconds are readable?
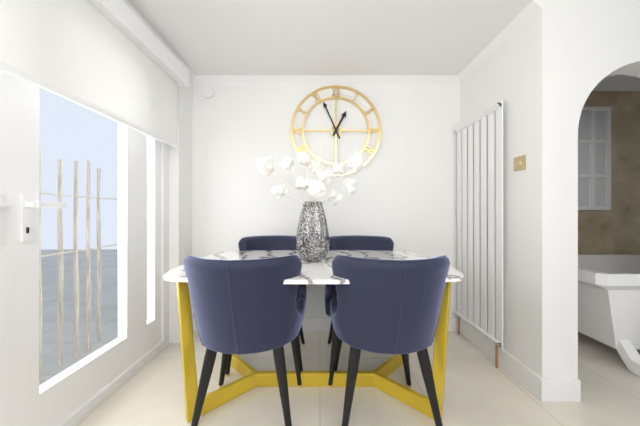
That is h=12 m=56
